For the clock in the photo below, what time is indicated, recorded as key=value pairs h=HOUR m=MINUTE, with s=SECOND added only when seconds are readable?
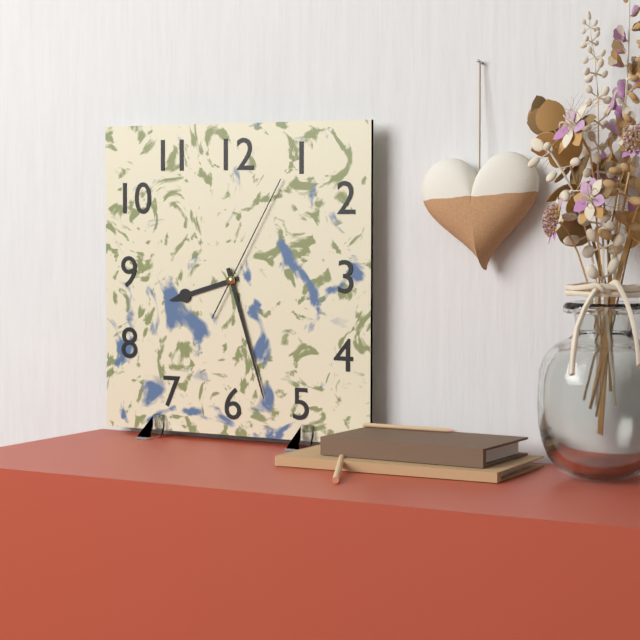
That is h=8 m=27 s=5
